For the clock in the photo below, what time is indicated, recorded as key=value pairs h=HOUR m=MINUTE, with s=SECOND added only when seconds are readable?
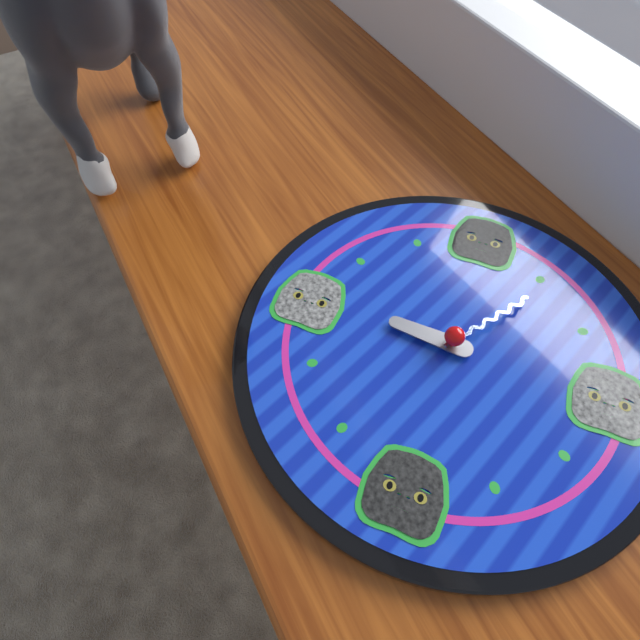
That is h=9 m=6
